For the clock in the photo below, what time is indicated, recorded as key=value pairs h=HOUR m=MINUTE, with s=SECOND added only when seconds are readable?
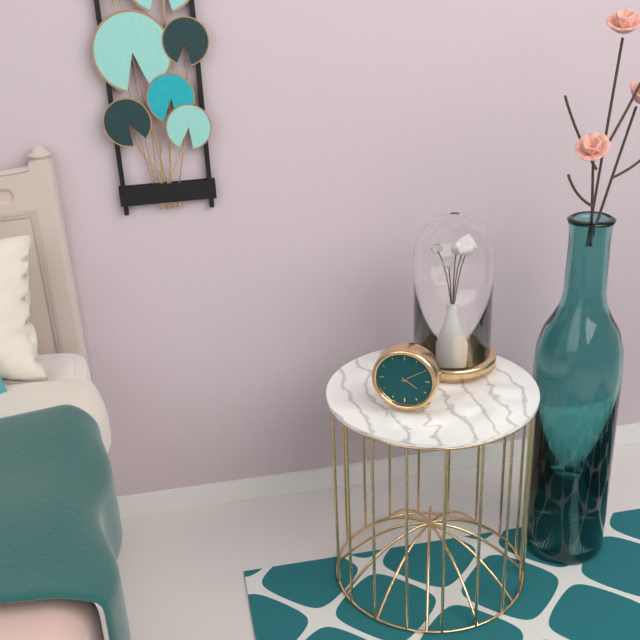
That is h=4 m=10
